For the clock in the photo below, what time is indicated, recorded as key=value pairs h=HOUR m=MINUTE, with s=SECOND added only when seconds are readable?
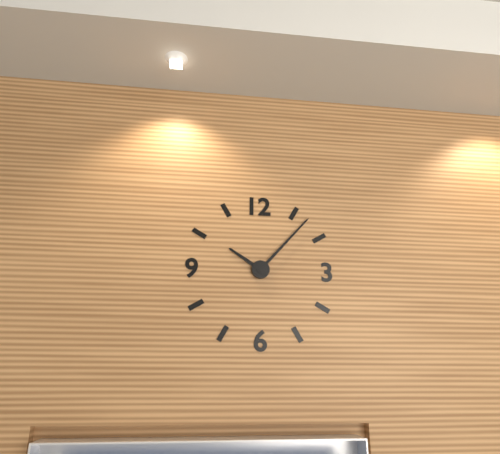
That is h=10 m=7
